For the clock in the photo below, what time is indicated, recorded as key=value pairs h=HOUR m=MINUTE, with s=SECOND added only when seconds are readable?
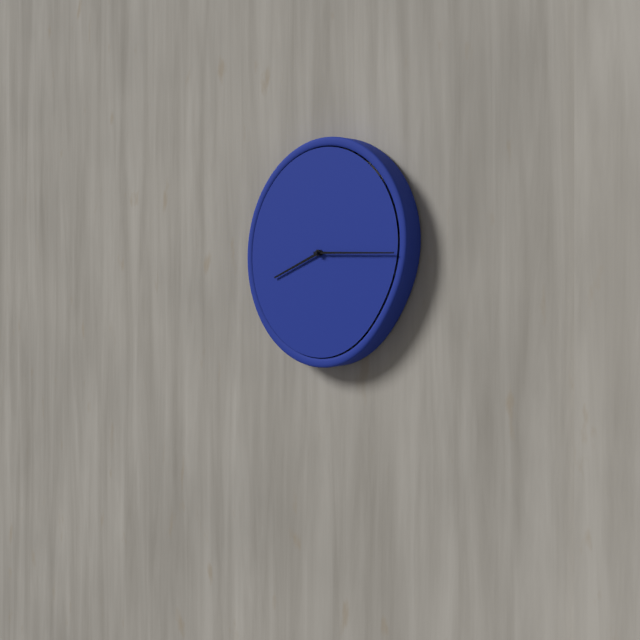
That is h=8 m=15
